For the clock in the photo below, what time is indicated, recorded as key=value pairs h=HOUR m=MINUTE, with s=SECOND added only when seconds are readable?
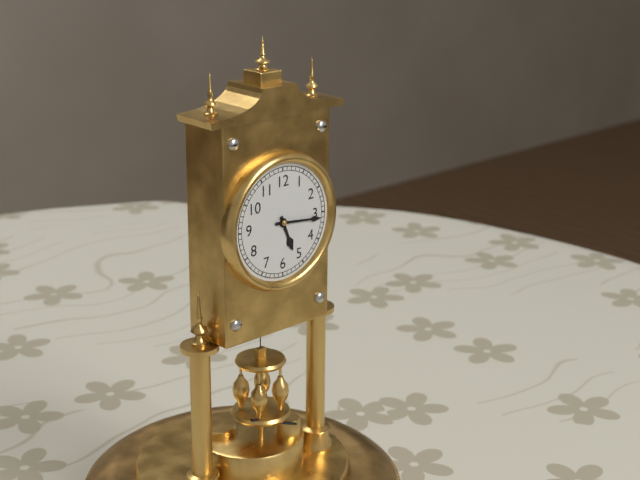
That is h=5 m=16
